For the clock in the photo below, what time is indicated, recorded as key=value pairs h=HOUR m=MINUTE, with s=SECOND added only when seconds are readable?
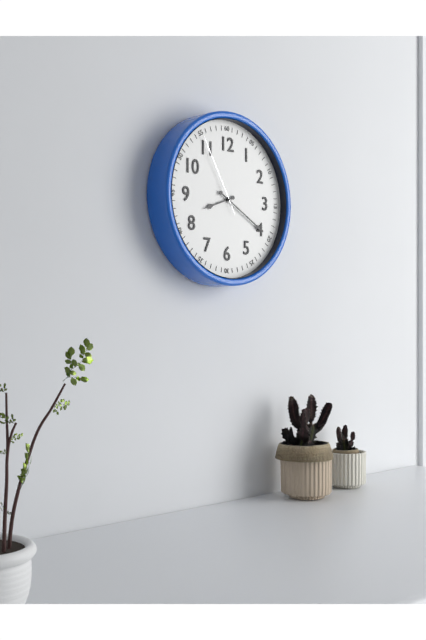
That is h=8 m=20 s=55
